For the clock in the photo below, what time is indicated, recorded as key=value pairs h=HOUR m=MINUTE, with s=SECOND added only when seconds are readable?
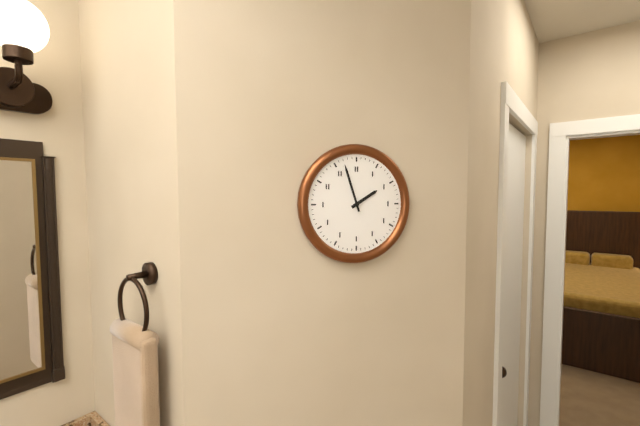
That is h=1 m=57
